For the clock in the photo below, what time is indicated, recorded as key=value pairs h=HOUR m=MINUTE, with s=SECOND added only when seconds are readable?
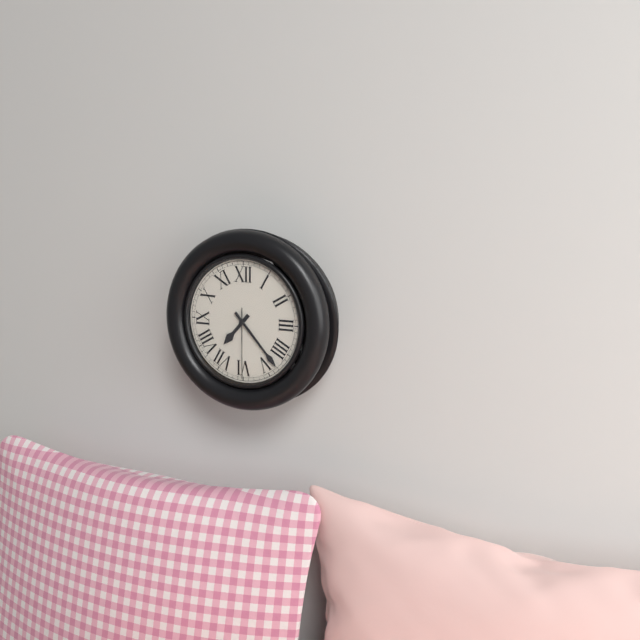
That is h=7 m=23 s=30
